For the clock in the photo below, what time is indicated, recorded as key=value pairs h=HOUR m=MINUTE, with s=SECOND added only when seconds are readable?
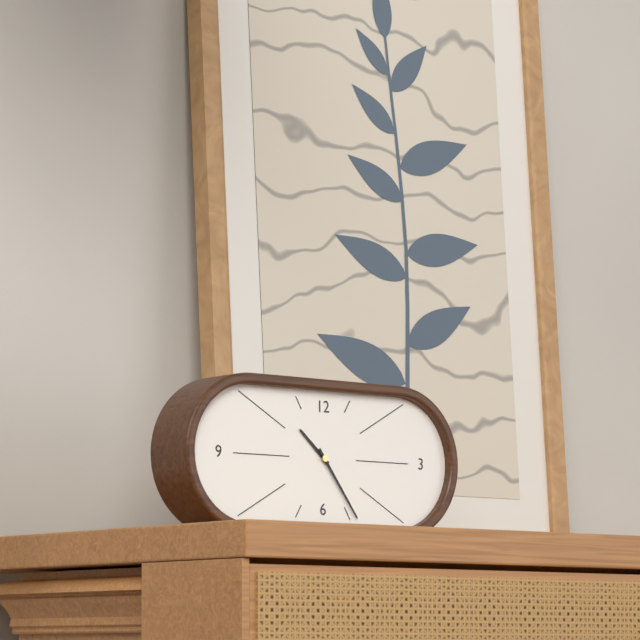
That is h=10 m=24
